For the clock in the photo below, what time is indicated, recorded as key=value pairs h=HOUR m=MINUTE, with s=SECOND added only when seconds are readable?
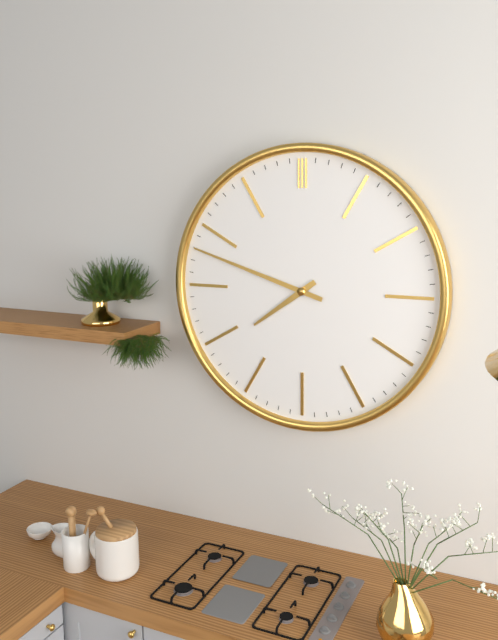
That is h=7 m=48
